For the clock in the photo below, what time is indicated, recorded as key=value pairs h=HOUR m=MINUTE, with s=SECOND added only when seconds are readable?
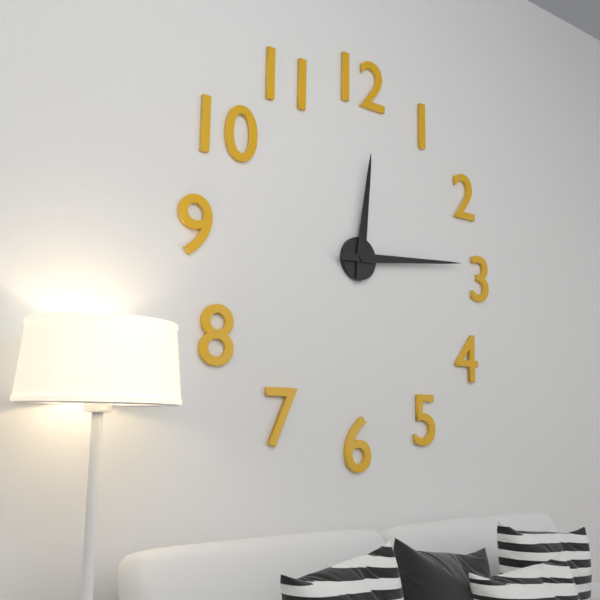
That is h=12 m=14
